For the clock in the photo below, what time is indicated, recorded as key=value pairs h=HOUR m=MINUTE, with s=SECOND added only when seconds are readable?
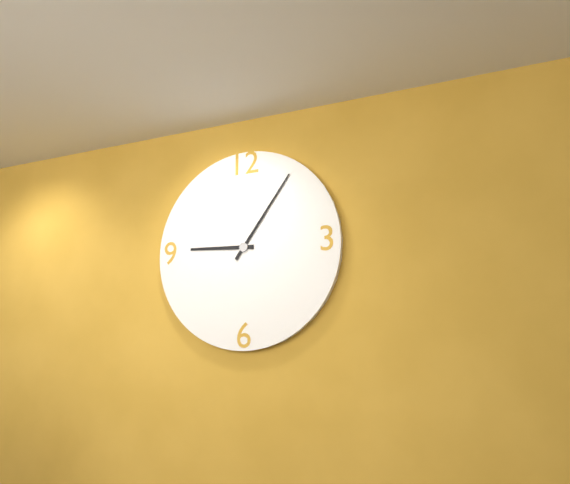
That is h=9 m=6
